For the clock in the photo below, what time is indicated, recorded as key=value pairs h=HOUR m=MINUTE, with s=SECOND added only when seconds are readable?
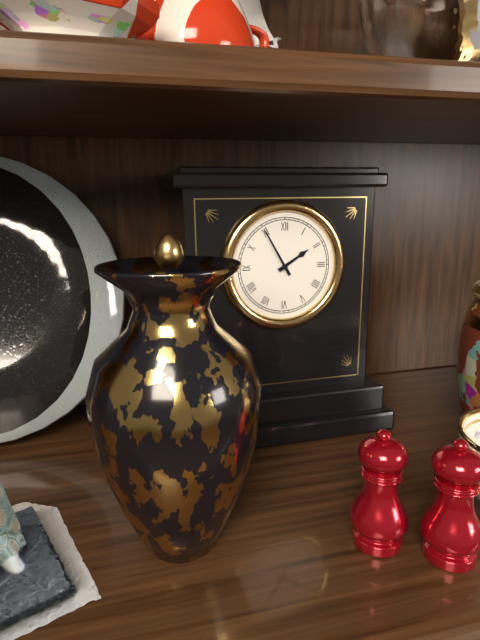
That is h=1 m=55
